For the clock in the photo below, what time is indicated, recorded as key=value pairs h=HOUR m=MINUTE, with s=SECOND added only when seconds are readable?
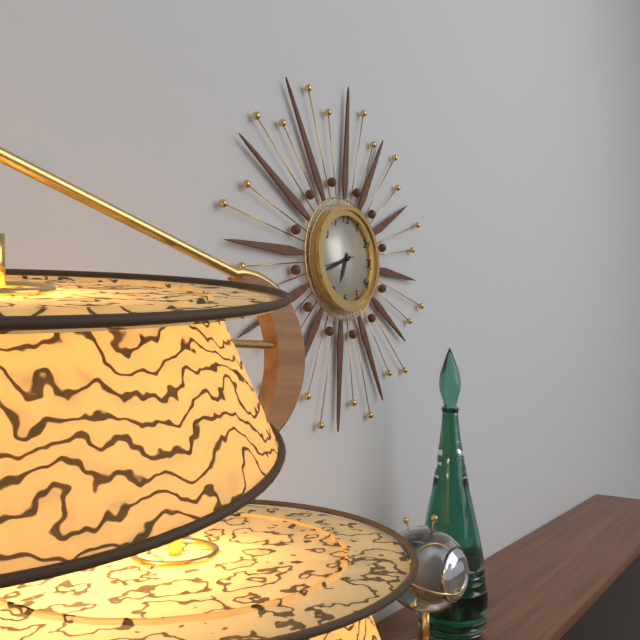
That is h=6 m=41
